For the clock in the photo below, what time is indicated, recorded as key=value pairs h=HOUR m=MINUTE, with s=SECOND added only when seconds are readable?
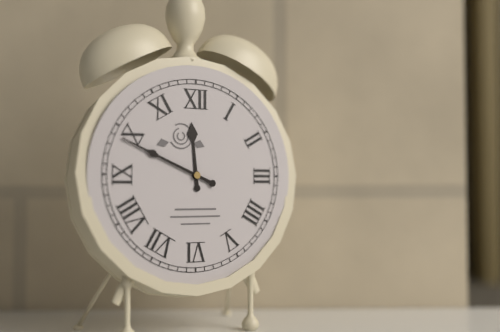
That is h=11 m=49
